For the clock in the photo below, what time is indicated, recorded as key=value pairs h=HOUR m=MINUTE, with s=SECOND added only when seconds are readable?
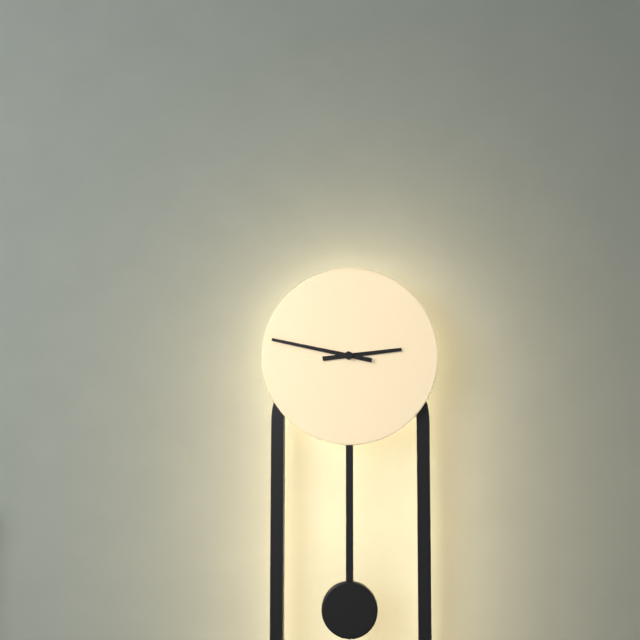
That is h=2 m=47
